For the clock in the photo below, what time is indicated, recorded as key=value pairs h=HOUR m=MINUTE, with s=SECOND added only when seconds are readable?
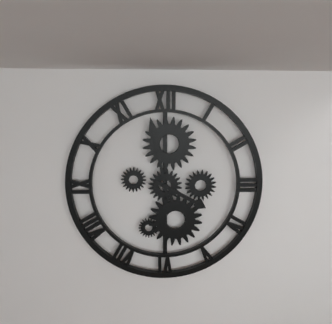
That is h=3 m=58
